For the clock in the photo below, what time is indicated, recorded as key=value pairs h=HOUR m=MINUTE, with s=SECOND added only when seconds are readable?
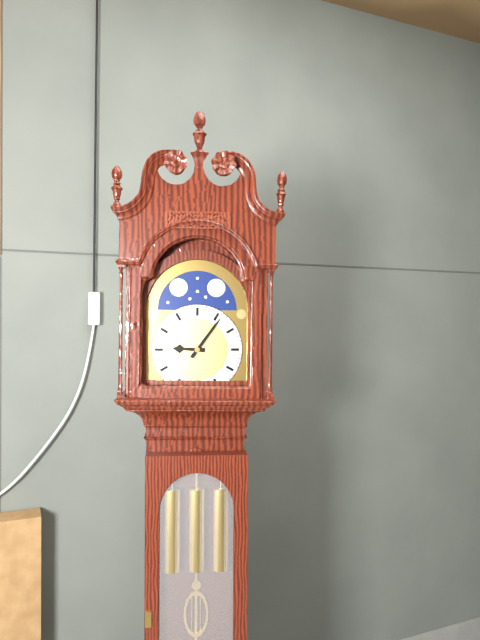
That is h=9 m=6
